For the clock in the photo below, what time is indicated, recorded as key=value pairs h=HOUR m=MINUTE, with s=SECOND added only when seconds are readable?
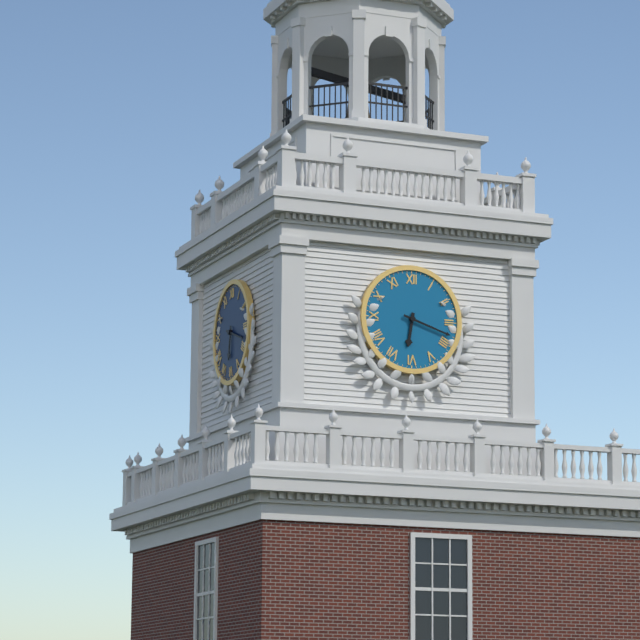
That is h=6 m=18
